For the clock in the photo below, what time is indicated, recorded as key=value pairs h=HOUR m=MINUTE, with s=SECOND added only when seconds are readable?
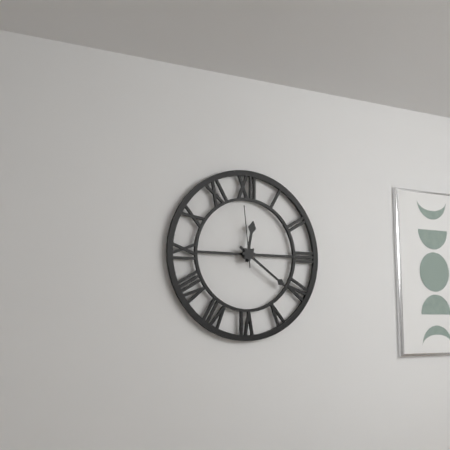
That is h=12 m=21 s=59
